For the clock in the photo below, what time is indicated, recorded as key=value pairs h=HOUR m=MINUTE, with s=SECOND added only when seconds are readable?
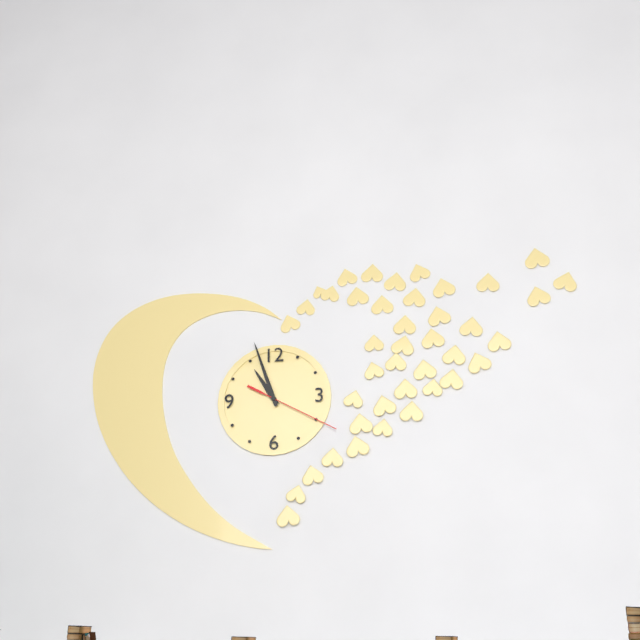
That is h=10 m=57 s=20
